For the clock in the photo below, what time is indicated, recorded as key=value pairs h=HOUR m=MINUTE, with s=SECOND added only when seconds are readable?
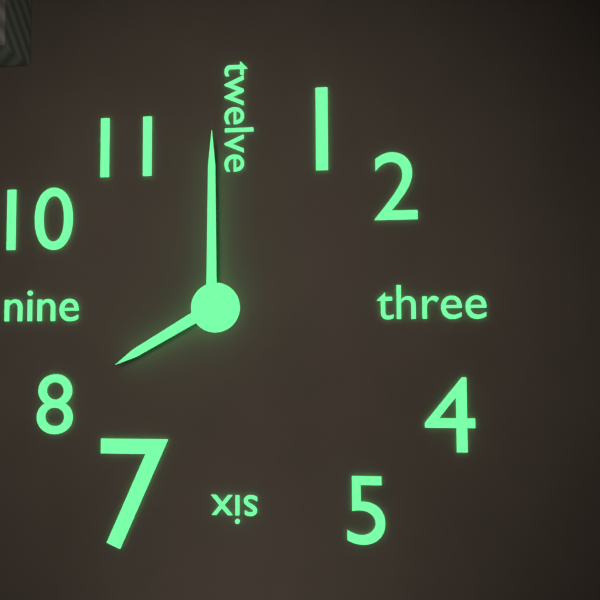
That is h=8 m=0
